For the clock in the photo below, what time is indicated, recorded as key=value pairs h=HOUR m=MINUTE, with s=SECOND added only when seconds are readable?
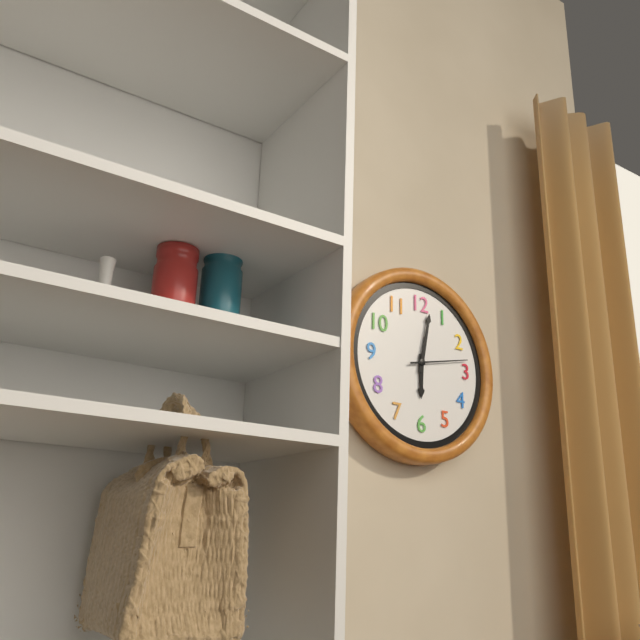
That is h=6 m=2 s=13
